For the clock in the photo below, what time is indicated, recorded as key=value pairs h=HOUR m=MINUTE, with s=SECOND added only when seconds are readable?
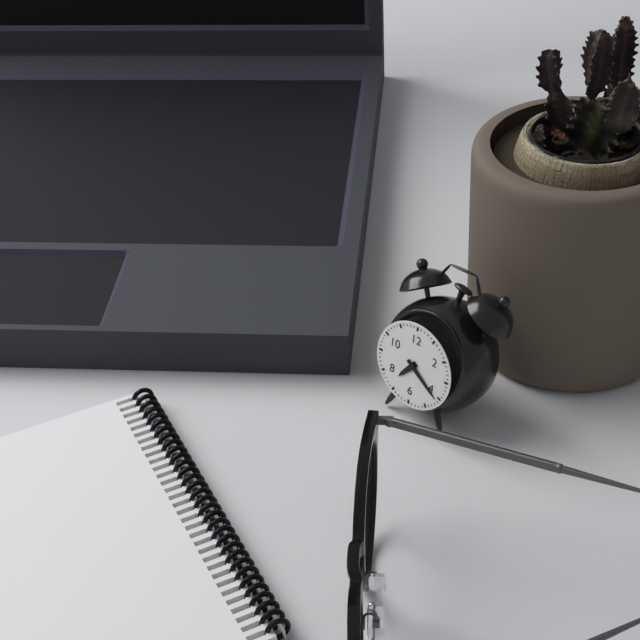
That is h=7 m=21
